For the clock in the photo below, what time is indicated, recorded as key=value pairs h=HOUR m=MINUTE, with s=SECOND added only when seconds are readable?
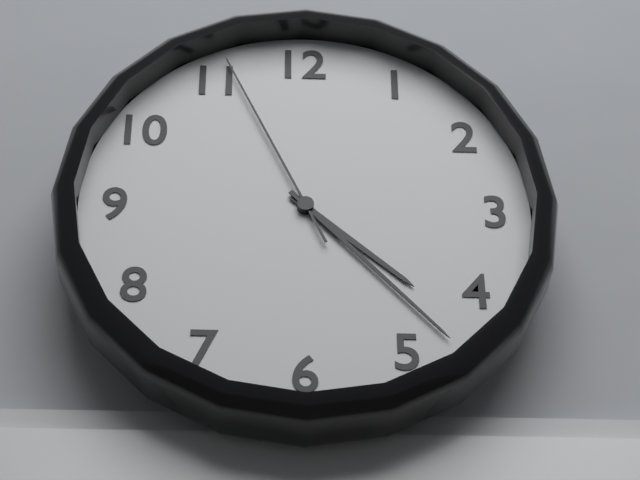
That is h=4 m=23 s=56
